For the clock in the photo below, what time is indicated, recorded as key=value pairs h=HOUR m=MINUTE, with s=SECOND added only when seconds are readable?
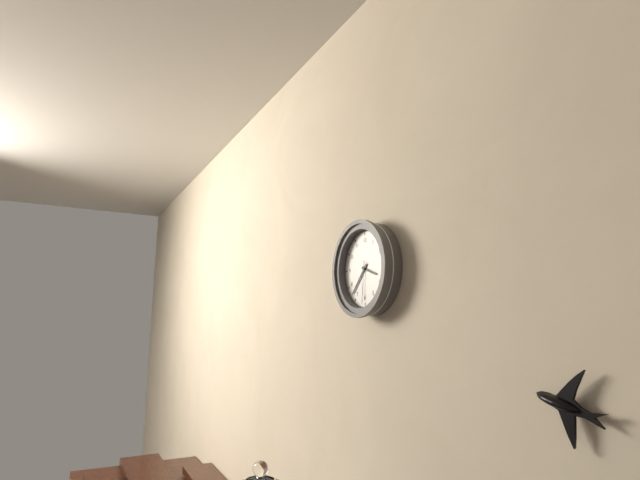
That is h=3 m=37
